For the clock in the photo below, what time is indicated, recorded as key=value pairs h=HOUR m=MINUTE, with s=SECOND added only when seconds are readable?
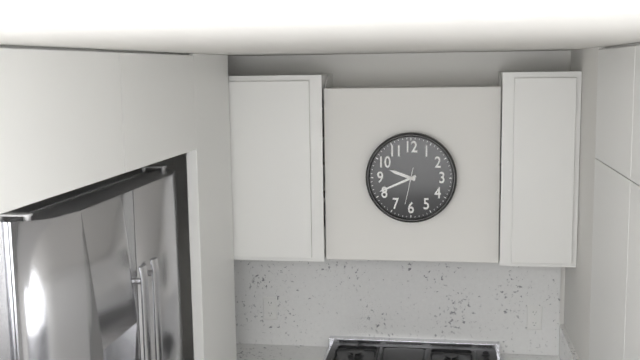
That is h=9 m=41
